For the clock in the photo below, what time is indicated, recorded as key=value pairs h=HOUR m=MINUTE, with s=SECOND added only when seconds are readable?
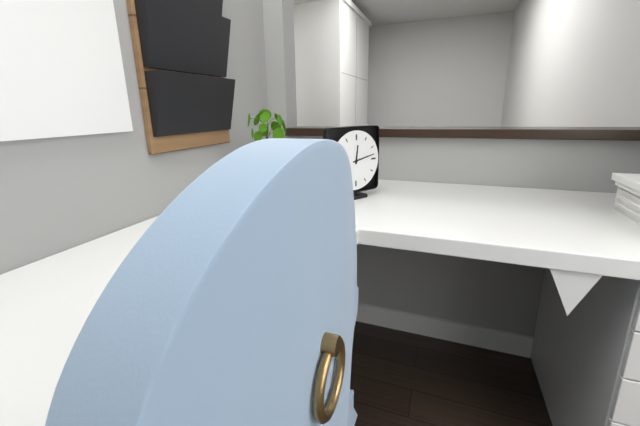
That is h=12 m=13
